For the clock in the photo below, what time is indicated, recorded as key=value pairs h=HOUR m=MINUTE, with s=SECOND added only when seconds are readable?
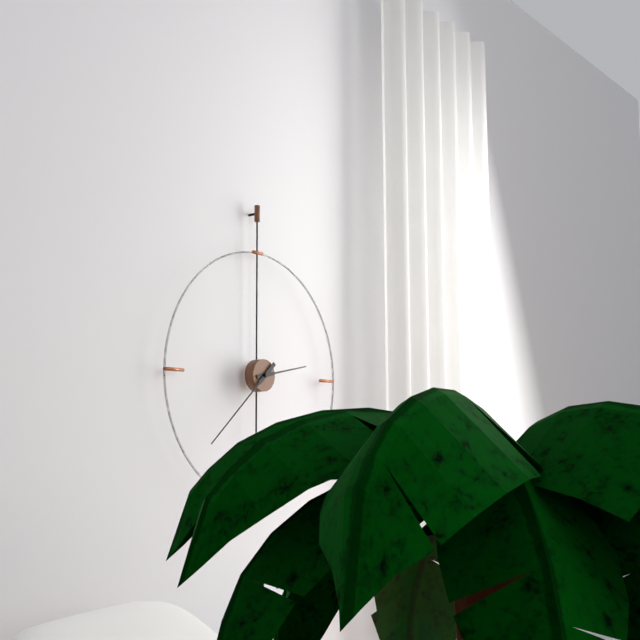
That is h=2 m=38
